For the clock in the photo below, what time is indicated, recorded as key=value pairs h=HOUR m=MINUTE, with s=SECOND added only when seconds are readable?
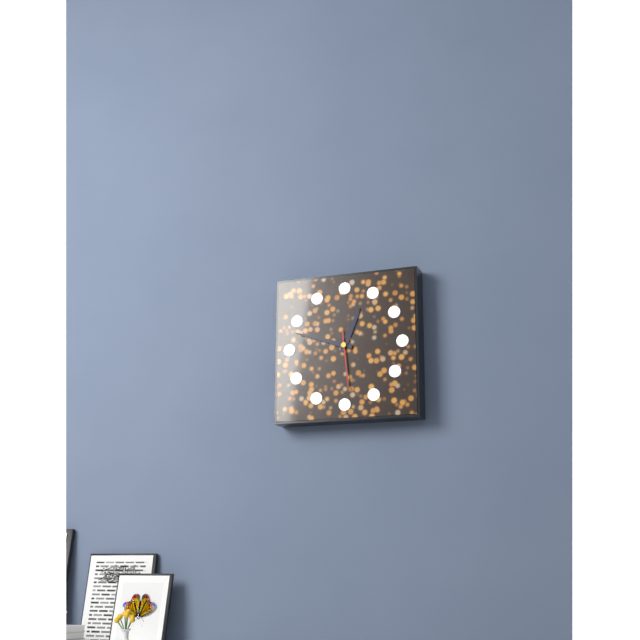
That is h=12 m=48 s=29
